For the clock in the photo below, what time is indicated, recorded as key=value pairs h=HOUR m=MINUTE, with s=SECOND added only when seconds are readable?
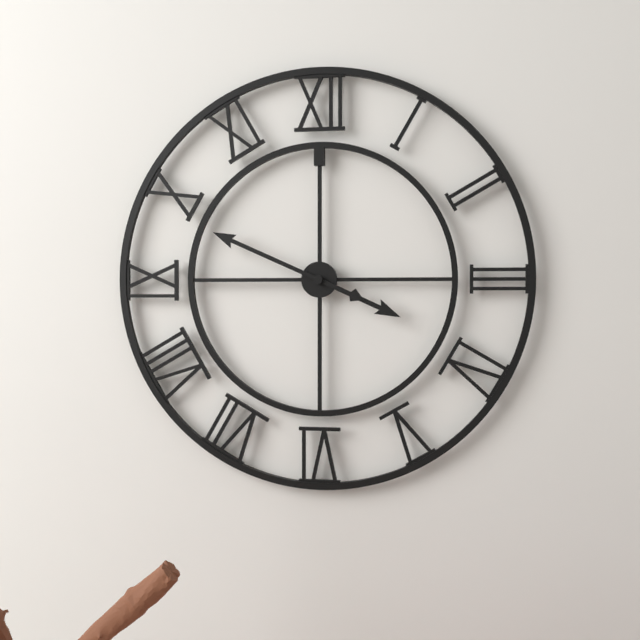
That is h=3 m=49
